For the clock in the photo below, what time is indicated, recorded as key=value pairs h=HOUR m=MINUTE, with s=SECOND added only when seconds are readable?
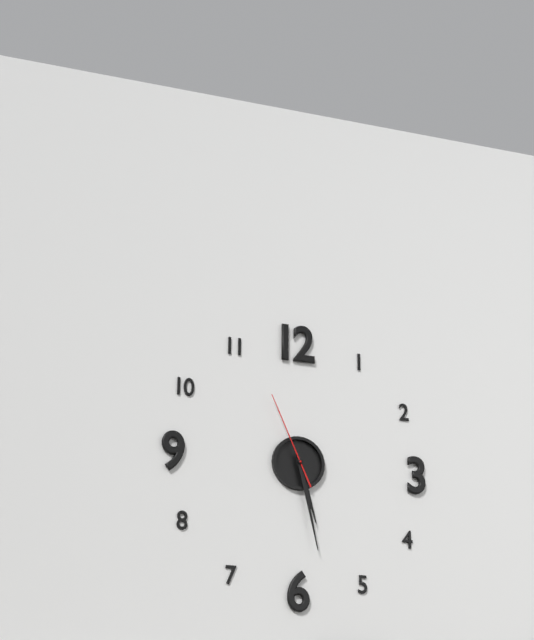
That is h=5 m=28 s=56
